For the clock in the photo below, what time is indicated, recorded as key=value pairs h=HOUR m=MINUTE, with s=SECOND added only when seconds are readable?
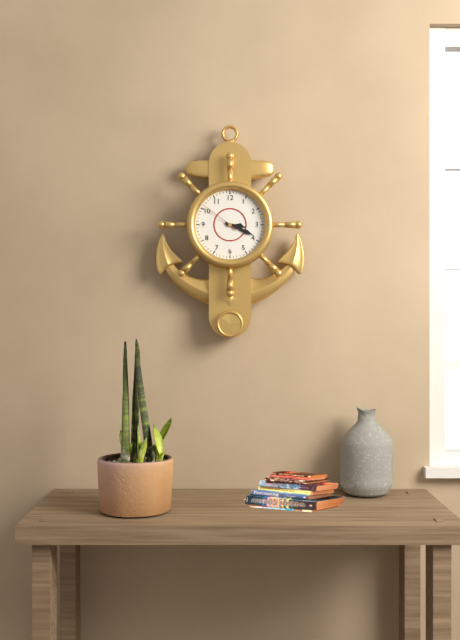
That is h=3 m=19
